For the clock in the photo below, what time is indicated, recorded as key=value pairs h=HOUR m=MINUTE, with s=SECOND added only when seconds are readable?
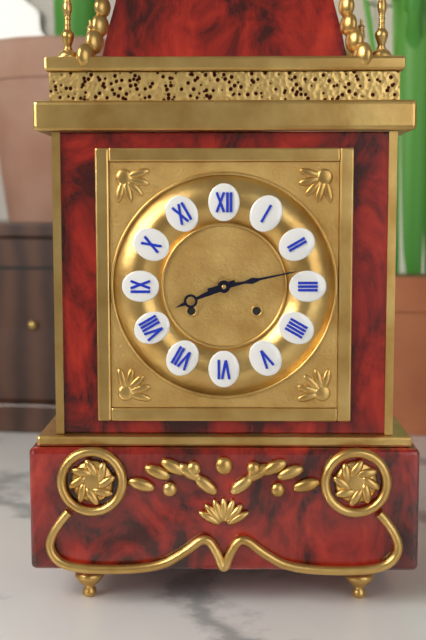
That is h=8 m=13
